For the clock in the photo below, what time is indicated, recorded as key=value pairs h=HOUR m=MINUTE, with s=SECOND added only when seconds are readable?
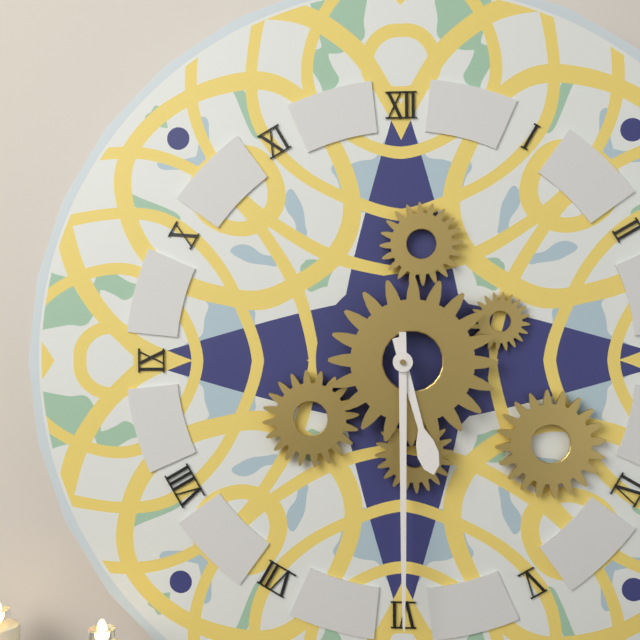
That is h=5 m=30
